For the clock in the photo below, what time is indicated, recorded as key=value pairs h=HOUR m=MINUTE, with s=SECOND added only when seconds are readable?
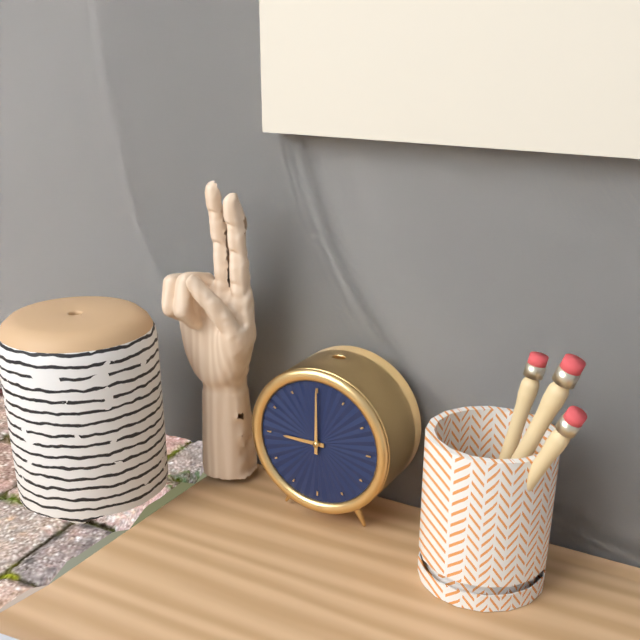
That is h=9 m=0
